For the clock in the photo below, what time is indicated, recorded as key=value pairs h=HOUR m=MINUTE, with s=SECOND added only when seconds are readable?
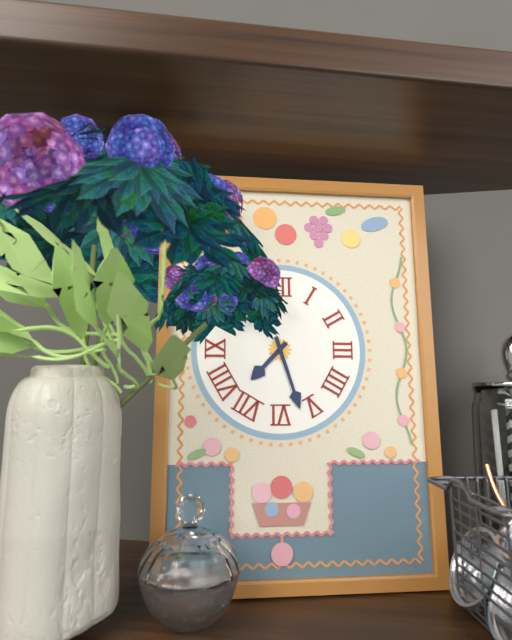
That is h=7 m=27
